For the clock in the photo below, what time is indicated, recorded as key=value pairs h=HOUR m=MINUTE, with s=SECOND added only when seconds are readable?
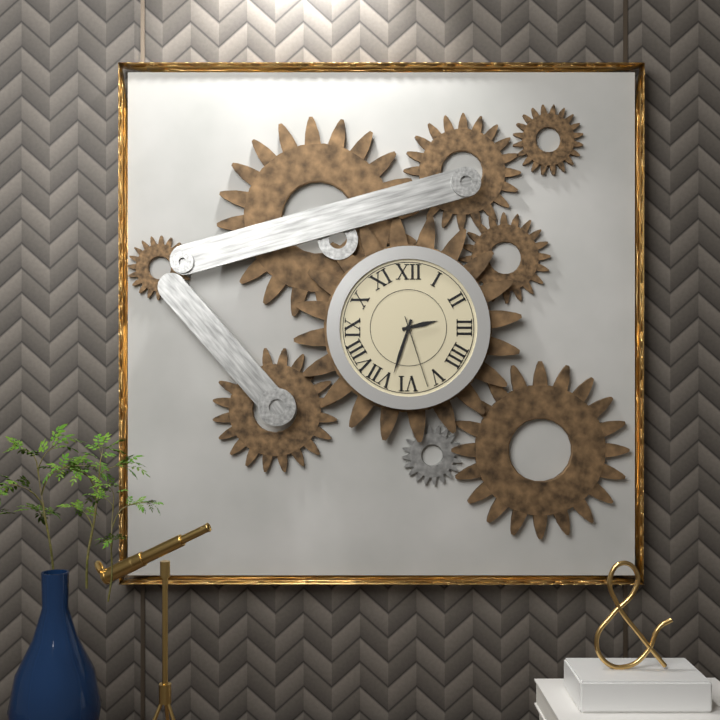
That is h=2 m=33 s=27
